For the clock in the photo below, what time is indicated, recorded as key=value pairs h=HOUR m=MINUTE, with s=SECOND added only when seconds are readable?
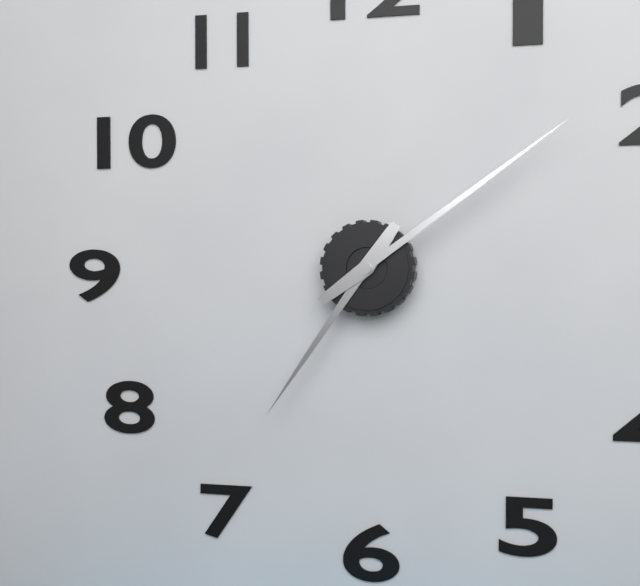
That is h=7 m=9
